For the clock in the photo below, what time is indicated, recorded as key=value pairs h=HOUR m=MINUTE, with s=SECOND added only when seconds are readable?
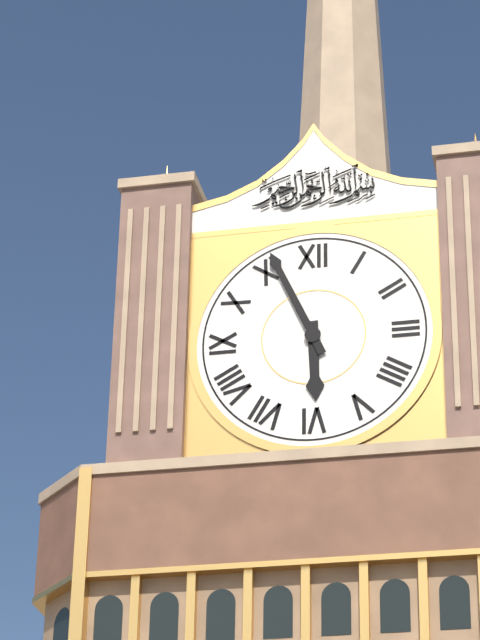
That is h=5 m=56
